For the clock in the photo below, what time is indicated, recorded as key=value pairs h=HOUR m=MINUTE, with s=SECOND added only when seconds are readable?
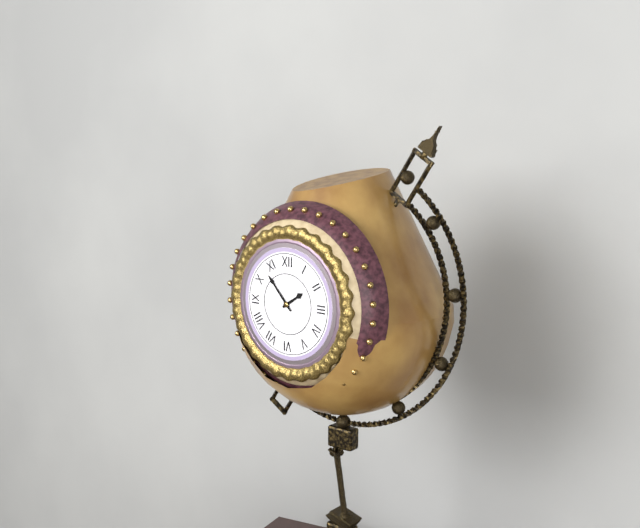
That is h=1 m=53
